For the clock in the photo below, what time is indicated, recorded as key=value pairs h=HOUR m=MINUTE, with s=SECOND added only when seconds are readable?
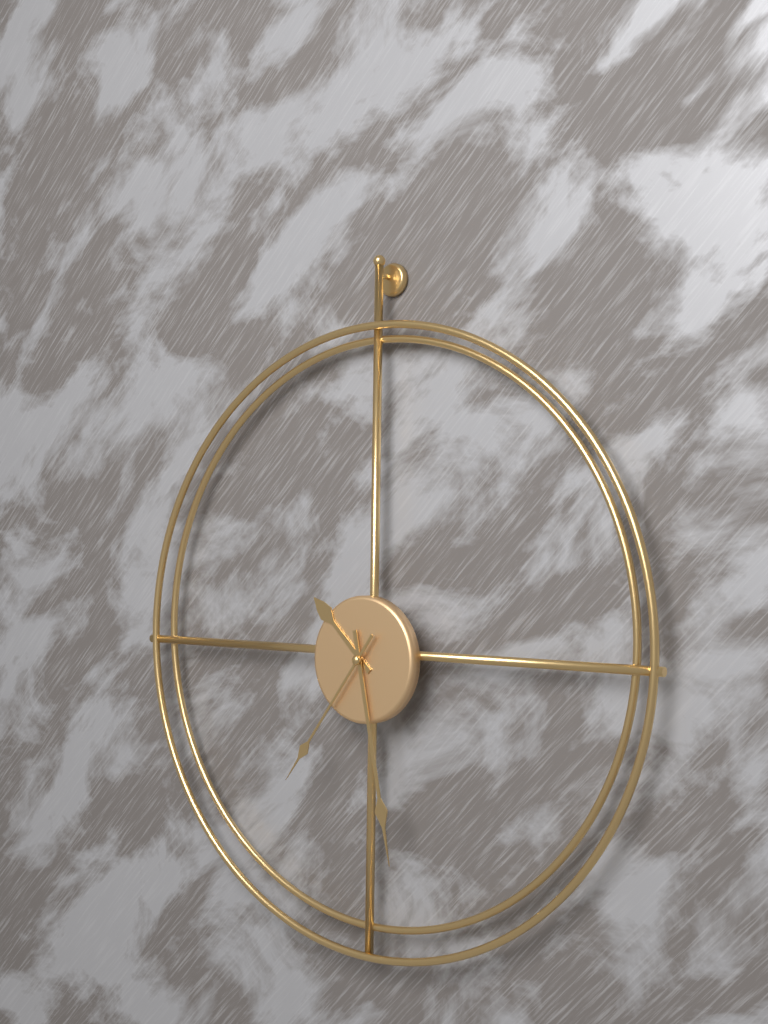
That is h=10 m=28 s=36
